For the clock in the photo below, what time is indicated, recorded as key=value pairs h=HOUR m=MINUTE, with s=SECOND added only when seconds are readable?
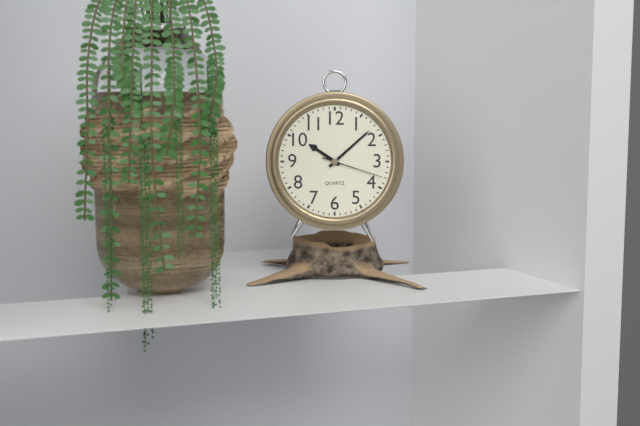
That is h=10 m=8 s=18
